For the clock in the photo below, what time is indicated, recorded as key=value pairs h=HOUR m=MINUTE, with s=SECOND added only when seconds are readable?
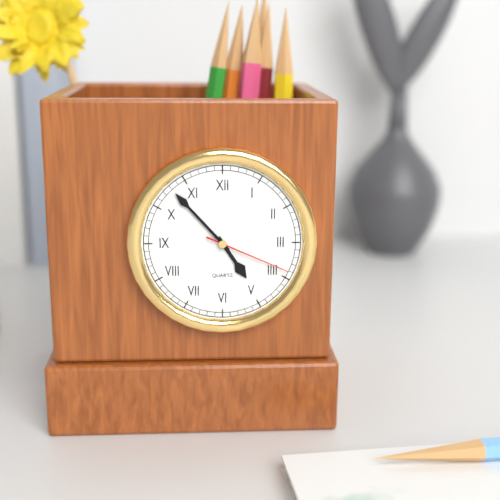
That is h=4 m=53 s=19
